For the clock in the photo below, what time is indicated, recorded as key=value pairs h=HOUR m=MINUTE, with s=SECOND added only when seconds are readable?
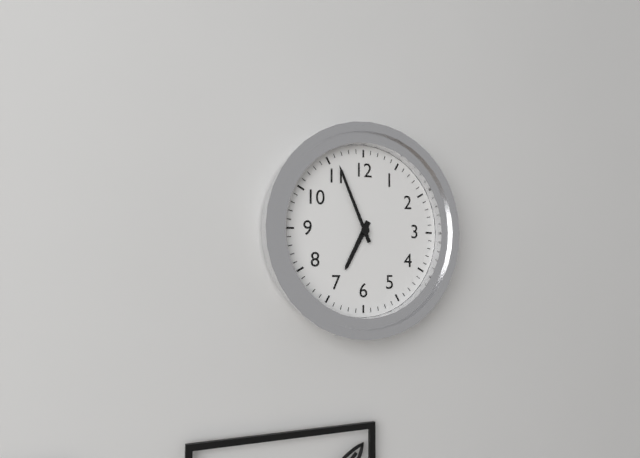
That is h=6 m=56
